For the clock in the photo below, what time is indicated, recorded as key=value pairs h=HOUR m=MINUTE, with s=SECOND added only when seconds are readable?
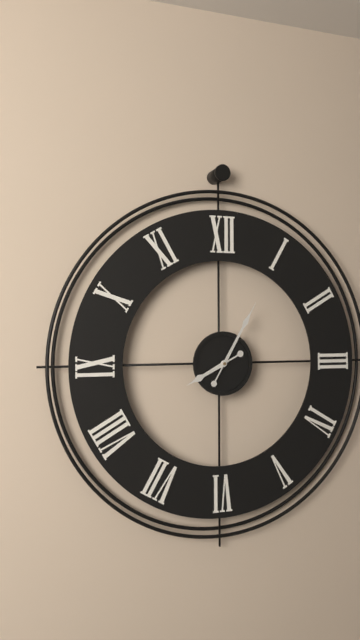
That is h=8 m=5
